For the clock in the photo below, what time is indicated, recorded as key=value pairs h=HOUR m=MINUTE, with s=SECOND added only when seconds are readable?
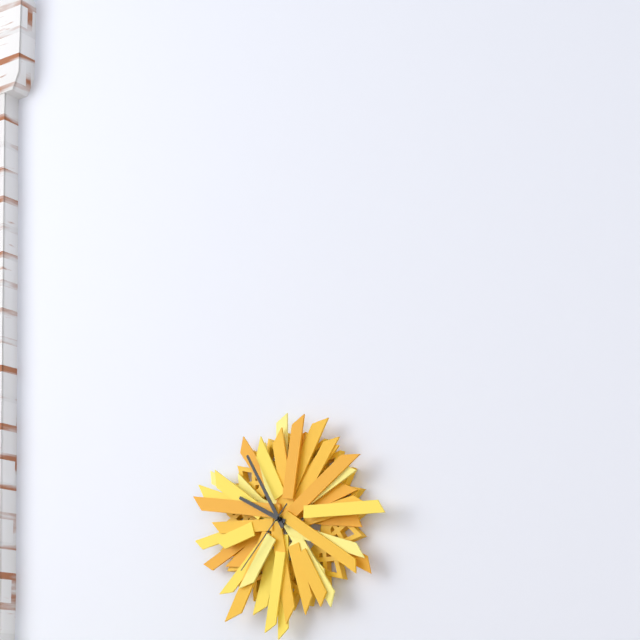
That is h=9 m=55 s=37
